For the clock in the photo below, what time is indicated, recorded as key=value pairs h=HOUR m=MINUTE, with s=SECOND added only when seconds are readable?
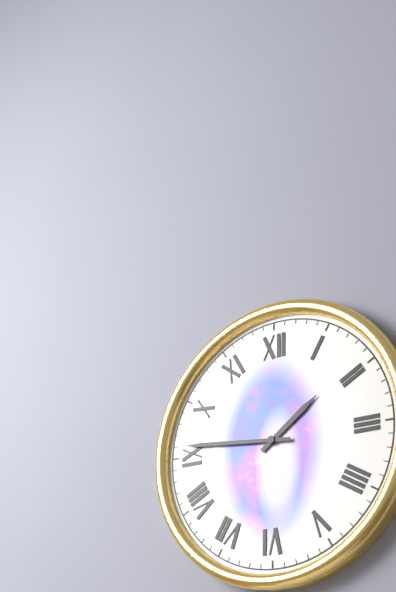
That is h=1 m=46
